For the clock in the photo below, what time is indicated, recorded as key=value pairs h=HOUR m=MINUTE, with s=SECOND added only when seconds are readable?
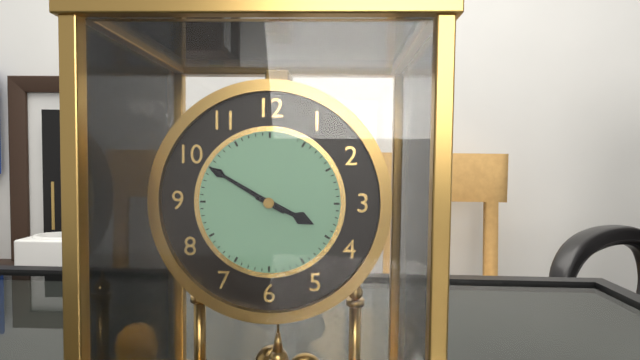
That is h=3 m=50
